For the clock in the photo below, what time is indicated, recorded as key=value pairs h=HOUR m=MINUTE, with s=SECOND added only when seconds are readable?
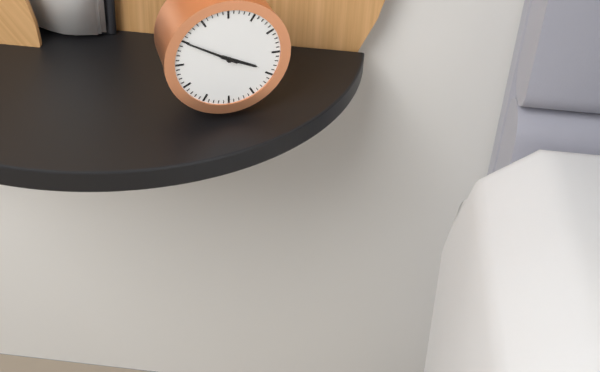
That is h=3 m=50
